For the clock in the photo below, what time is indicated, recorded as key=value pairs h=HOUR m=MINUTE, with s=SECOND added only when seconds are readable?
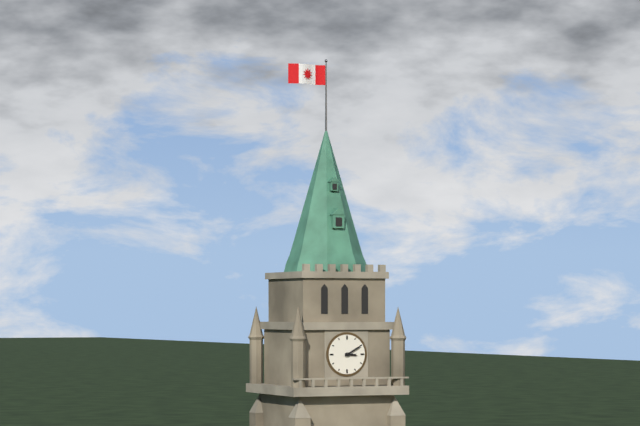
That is h=3 m=10
